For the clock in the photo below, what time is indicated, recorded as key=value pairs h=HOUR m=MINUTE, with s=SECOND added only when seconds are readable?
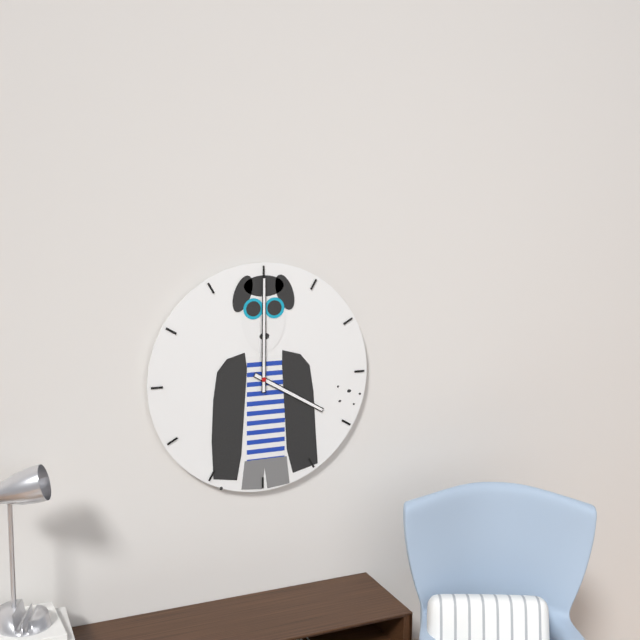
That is h=4 m=0
